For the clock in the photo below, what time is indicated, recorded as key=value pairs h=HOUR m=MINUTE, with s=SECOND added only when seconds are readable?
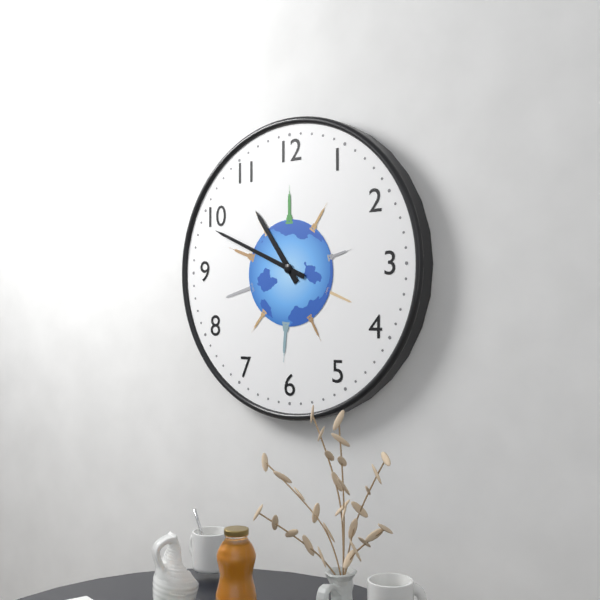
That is h=10 m=49
